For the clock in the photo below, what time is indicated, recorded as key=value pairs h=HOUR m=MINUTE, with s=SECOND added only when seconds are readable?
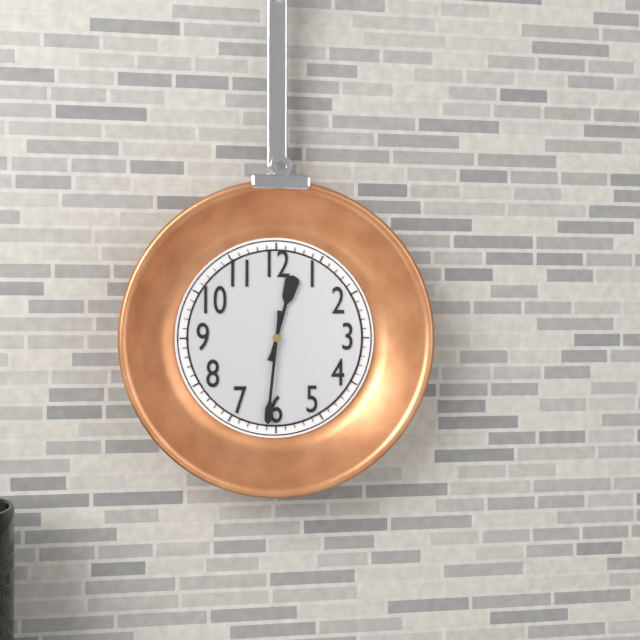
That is h=12 m=31
